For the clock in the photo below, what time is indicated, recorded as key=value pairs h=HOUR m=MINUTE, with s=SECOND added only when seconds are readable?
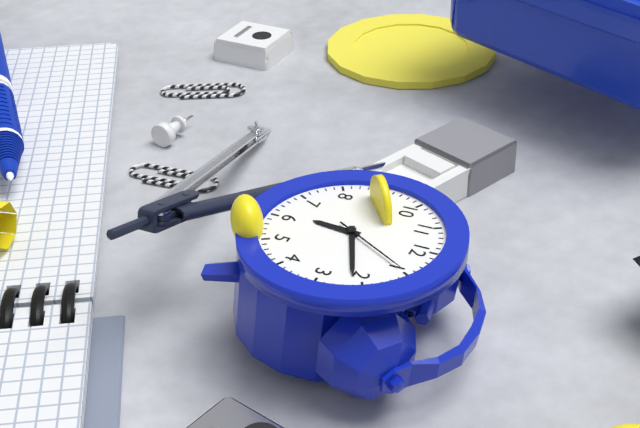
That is h=6 m=11 s=5
